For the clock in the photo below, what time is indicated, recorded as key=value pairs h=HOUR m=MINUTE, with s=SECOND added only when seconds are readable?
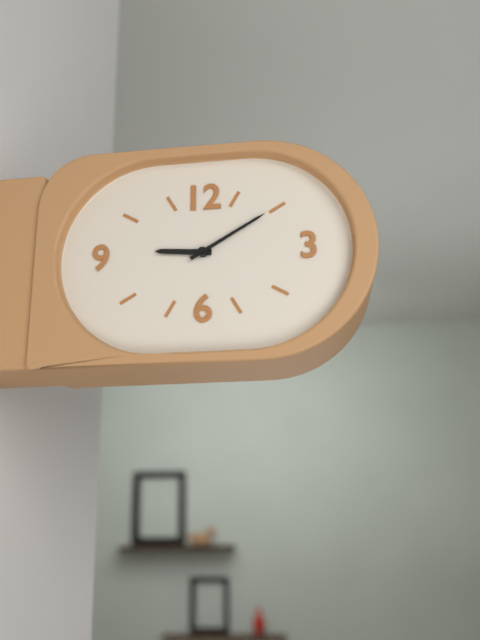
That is h=9 m=10
